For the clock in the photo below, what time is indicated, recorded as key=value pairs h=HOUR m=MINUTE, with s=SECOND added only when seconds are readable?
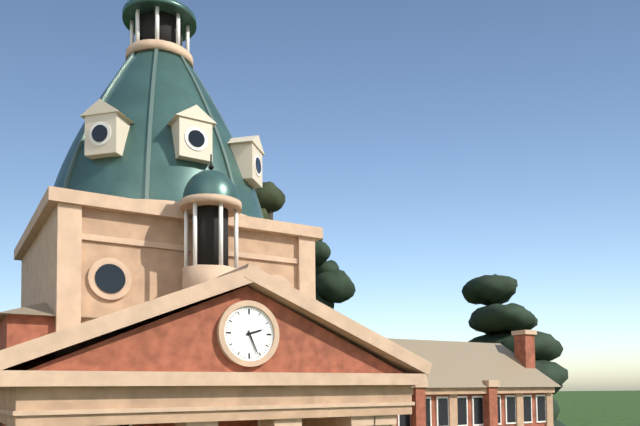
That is h=2 m=26
